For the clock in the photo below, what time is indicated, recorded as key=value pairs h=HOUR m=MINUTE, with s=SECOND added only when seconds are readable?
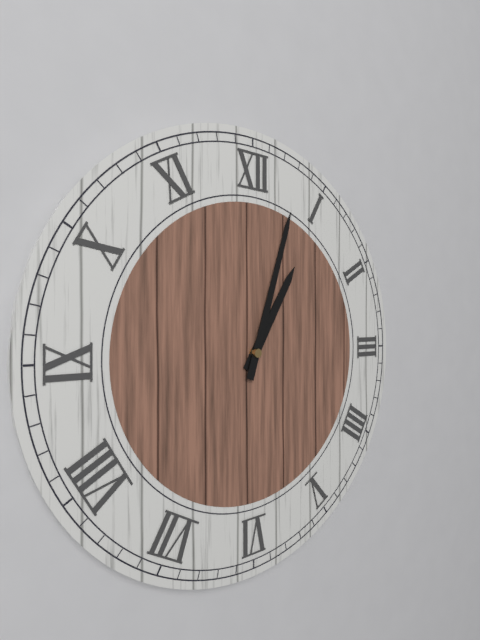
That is h=1 m=3
